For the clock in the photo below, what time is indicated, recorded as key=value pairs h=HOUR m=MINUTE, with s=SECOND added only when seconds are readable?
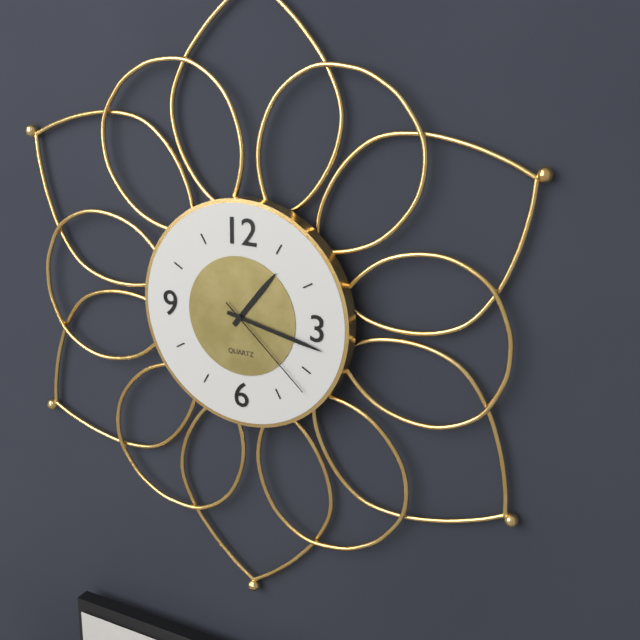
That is h=1 m=17 s=22
